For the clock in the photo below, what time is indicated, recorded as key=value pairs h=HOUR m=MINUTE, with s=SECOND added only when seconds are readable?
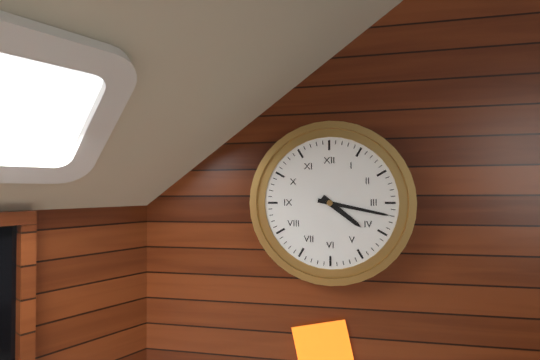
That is h=4 m=17
